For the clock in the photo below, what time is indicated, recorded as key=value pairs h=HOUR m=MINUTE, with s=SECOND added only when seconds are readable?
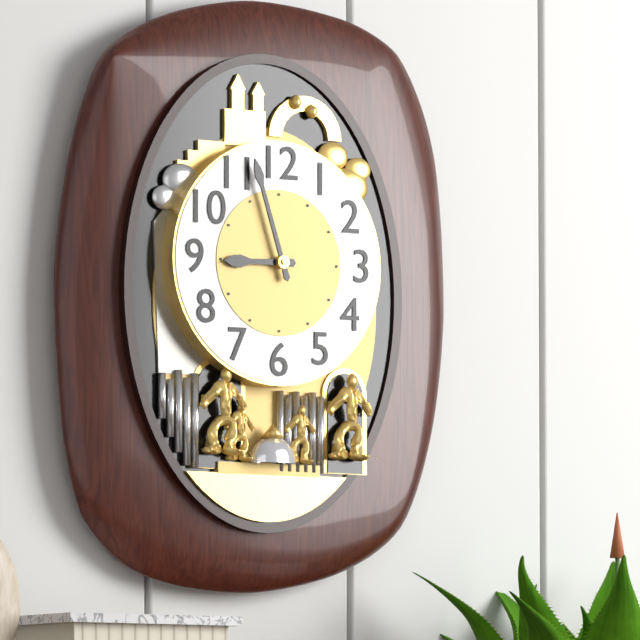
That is h=8 m=57
